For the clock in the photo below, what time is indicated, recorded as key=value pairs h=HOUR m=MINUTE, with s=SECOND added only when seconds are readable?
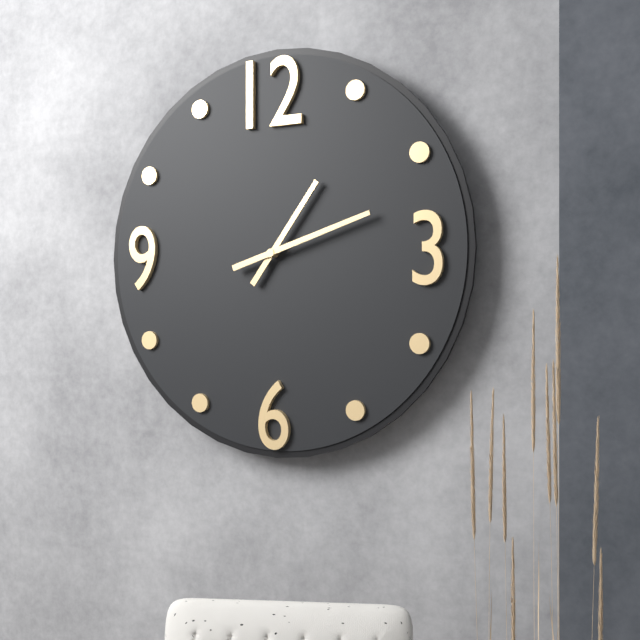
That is h=1 m=12
